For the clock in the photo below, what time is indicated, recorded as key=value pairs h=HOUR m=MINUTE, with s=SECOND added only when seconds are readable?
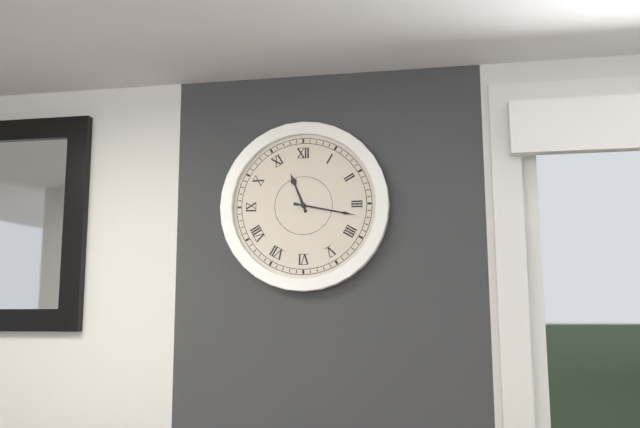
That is h=11 m=17
